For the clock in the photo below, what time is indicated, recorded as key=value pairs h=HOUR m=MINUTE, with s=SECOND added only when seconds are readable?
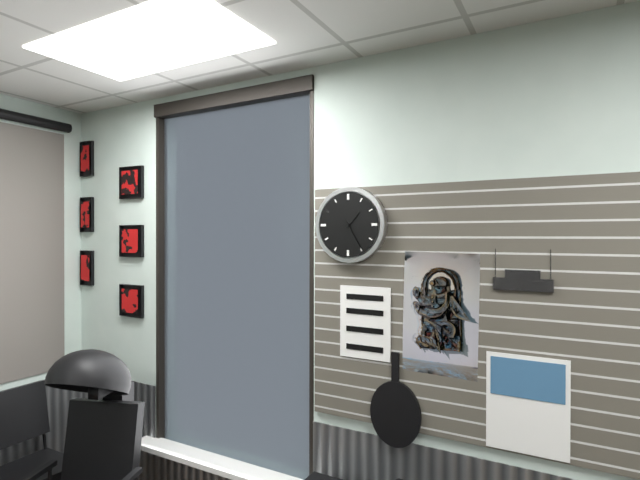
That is h=1 m=25
